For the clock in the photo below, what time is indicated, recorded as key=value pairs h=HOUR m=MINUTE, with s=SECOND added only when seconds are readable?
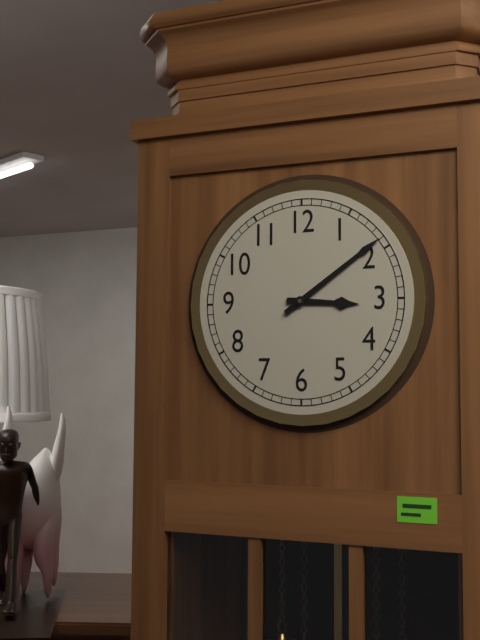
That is h=3 m=9
